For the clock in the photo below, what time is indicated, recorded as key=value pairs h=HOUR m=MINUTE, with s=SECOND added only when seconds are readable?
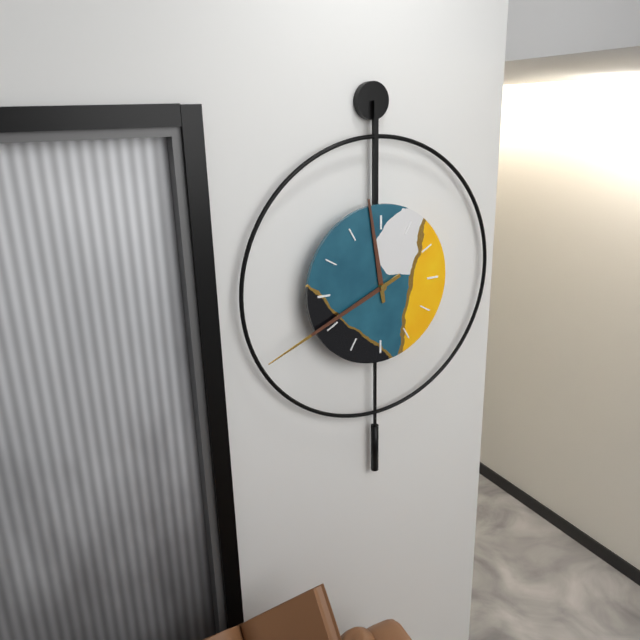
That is h=11 m=41
